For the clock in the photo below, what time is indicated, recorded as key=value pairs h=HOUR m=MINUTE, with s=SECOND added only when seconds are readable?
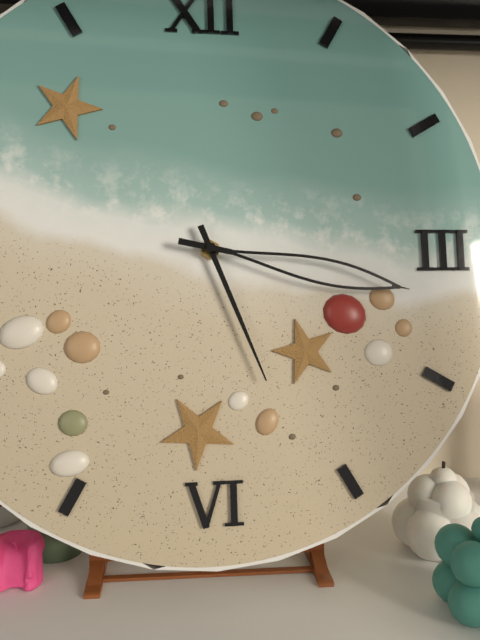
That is h=5 m=17
